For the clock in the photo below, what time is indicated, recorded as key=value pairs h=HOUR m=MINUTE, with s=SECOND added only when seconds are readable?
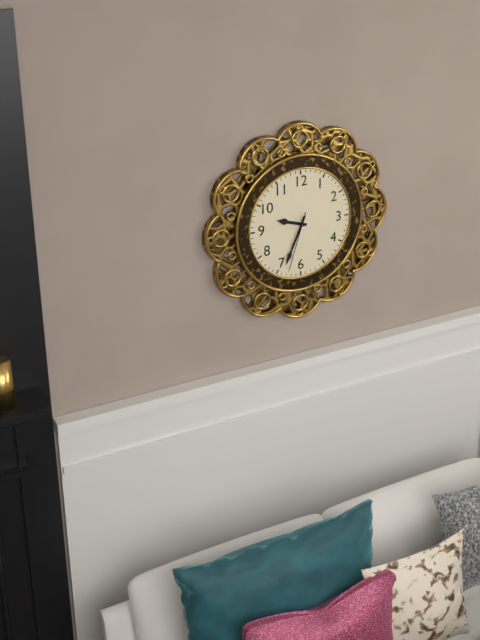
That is h=9 m=34 s=33
